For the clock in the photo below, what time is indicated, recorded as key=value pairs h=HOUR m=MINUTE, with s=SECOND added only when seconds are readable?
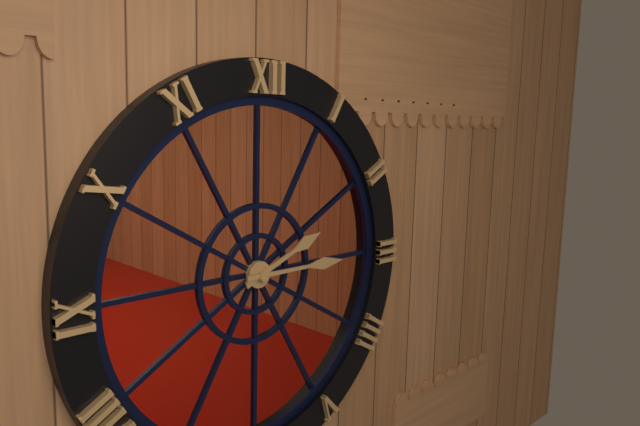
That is h=2 m=15
